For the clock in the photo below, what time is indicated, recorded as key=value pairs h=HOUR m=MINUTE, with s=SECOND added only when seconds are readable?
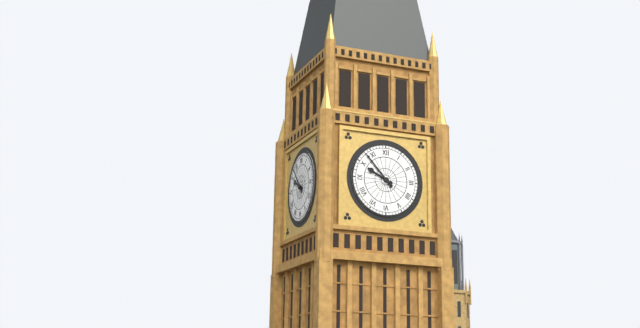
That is h=9 m=53
